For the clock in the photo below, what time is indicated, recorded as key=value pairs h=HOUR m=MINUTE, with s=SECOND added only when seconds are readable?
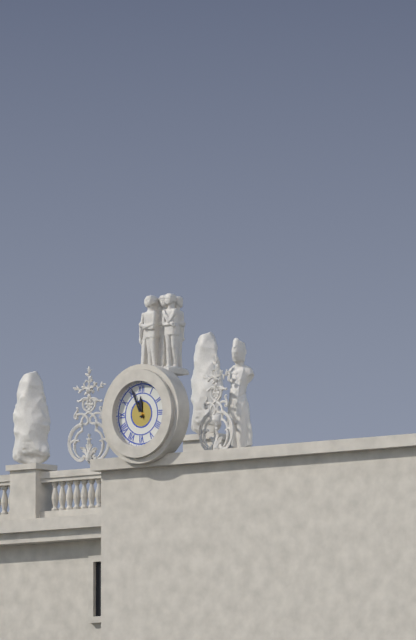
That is h=11 m=56
